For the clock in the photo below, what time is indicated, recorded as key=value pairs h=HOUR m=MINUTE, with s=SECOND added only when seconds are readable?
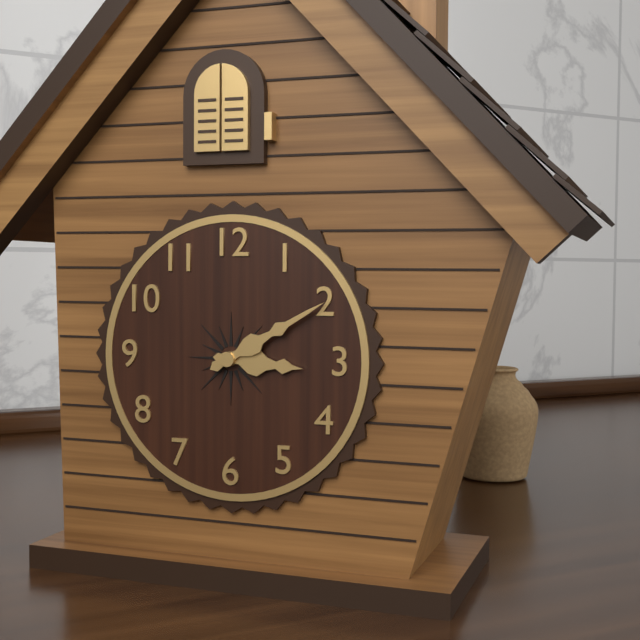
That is h=3 m=10
